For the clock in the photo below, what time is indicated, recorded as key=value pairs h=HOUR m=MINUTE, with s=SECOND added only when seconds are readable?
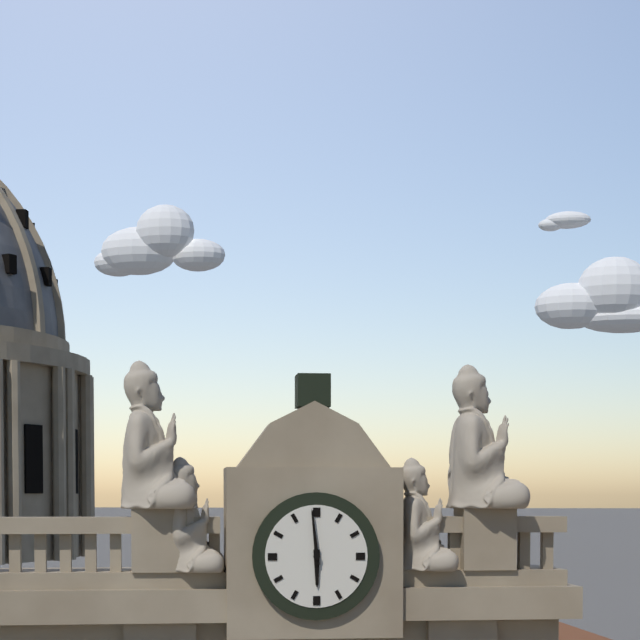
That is h=5 m=59
